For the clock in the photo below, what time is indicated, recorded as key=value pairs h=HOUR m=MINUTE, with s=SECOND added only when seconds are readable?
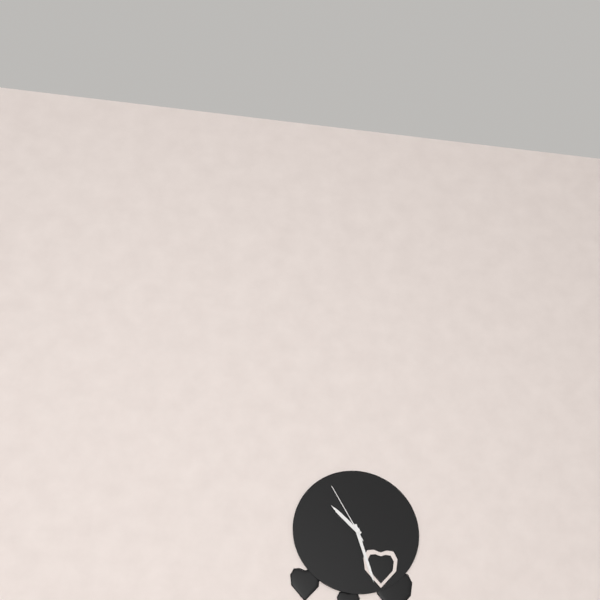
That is h=10 m=27 s=55
